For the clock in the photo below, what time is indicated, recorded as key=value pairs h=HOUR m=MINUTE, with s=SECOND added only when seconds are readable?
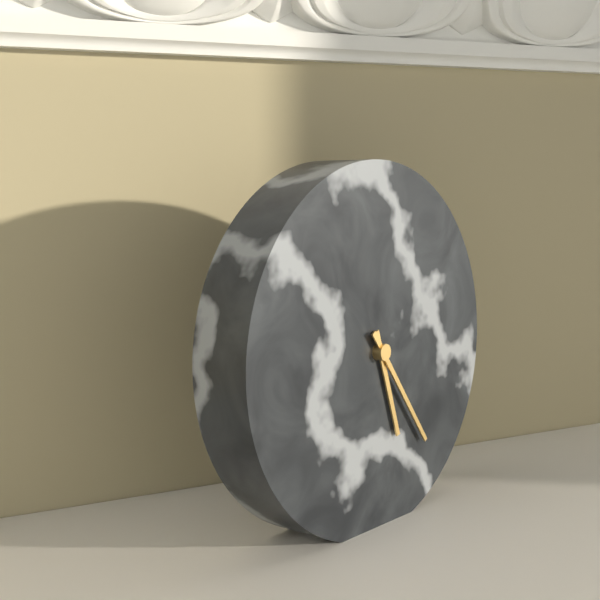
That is h=5 m=24
